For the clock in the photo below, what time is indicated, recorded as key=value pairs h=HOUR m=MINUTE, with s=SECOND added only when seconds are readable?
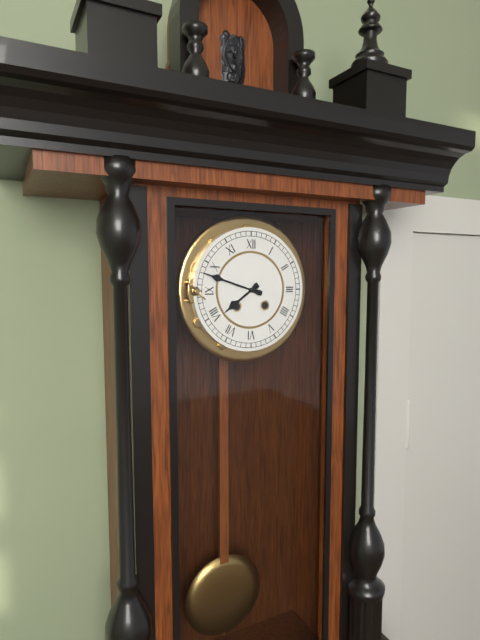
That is h=7 m=48
